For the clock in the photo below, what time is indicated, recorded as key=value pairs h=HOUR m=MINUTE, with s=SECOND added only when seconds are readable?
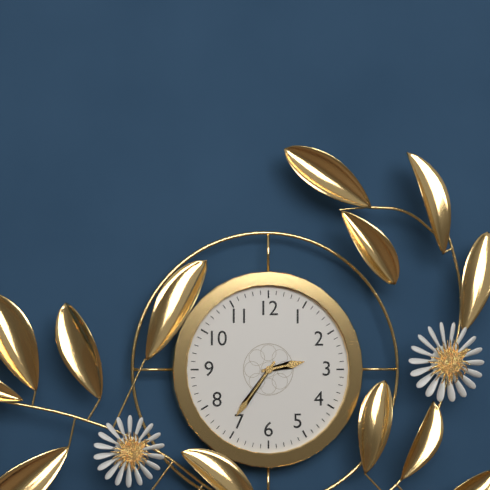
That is h=2 m=36
